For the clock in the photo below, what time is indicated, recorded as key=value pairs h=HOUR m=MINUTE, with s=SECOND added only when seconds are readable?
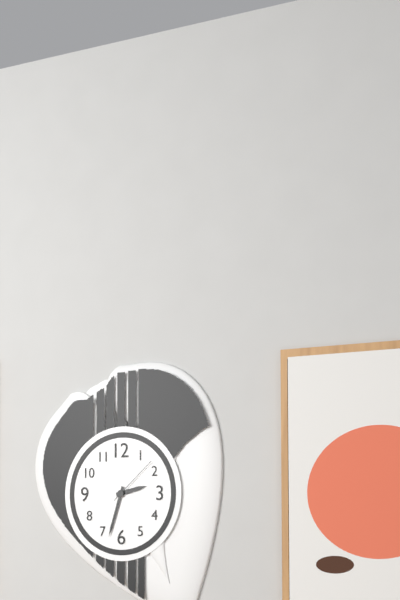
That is h=2 m=33 s=8
